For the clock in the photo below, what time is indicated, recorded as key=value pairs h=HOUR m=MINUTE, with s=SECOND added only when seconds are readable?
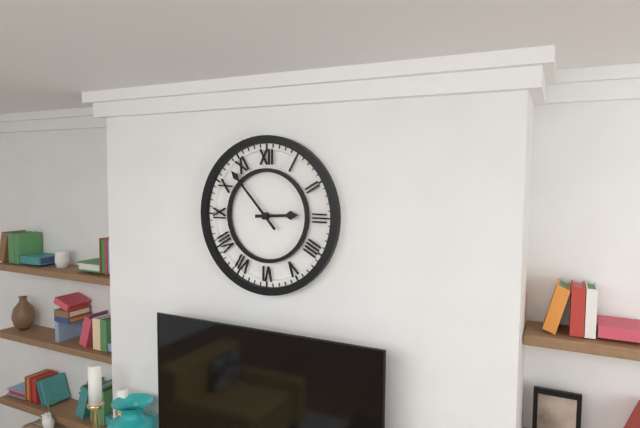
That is h=2 m=53
